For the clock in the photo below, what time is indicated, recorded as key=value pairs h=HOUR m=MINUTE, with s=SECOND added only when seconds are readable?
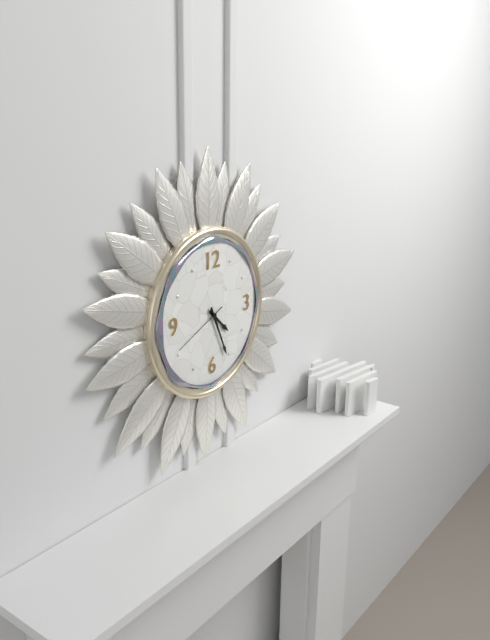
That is h=4 m=26 s=41
